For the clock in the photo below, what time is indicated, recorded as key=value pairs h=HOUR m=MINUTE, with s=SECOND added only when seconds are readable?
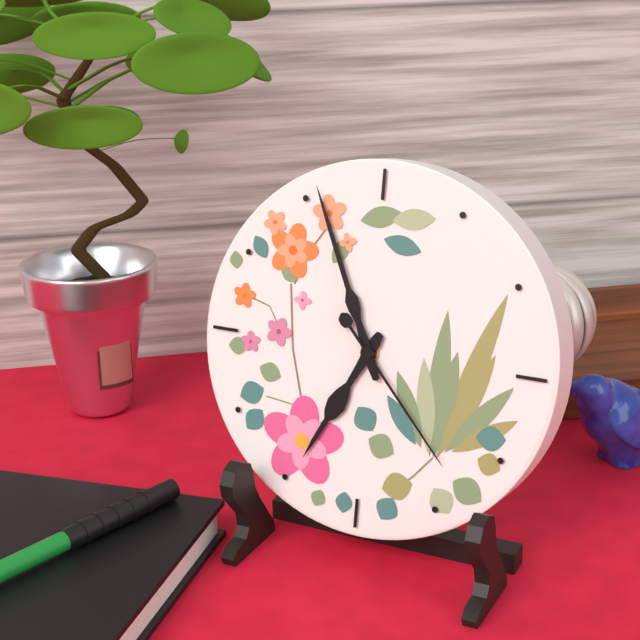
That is h=6 m=56 s=23
